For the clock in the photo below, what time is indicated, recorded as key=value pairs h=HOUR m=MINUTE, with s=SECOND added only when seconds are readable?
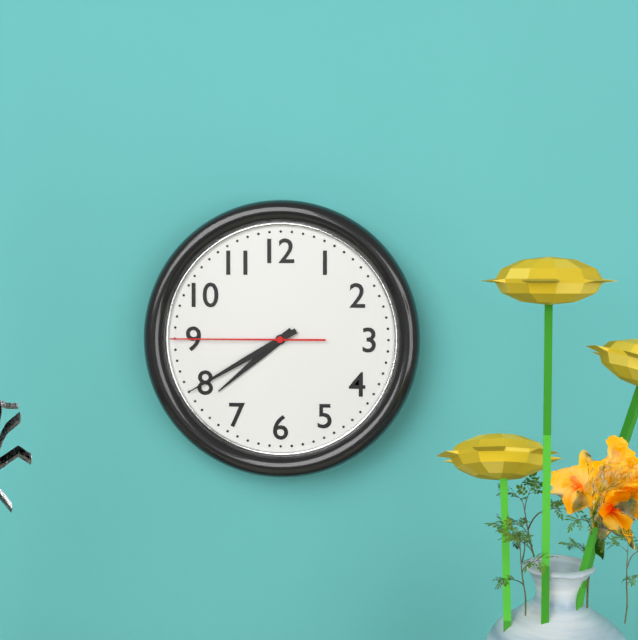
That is h=7 m=40 s=45
